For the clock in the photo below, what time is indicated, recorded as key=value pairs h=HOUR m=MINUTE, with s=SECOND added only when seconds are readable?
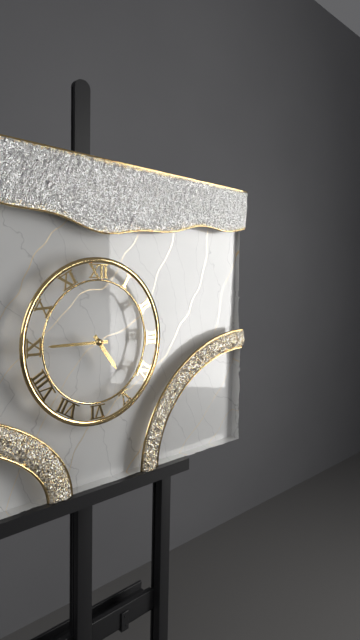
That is h=4 m=45
